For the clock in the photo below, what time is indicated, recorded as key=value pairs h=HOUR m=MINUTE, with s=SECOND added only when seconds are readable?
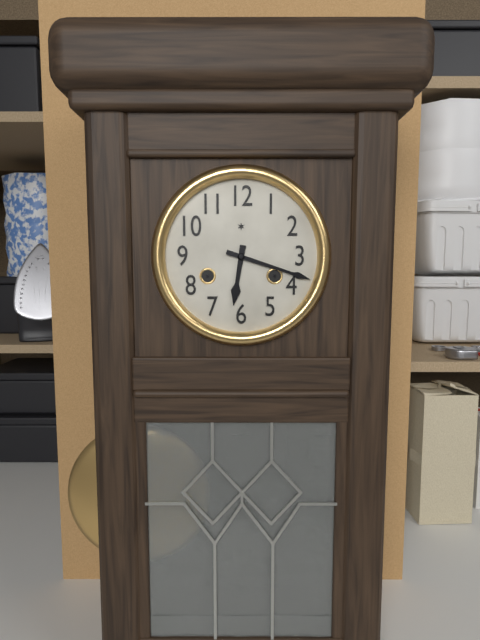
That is h=6 m=18
